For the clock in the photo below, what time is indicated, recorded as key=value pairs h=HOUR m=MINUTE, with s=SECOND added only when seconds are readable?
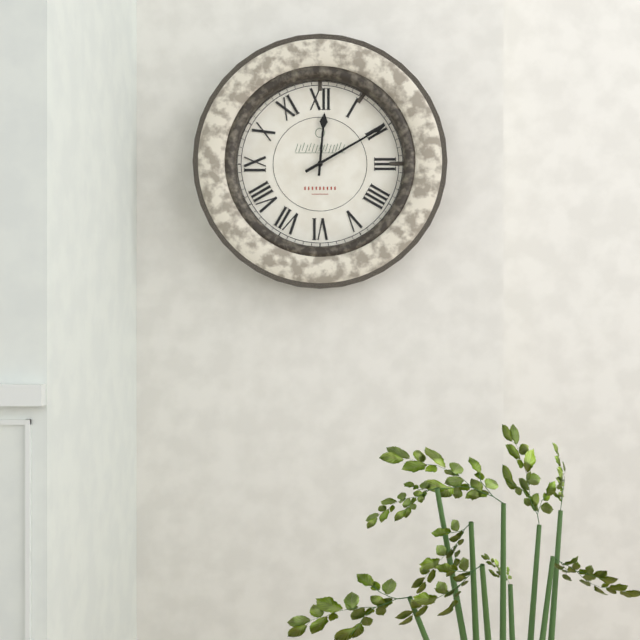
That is h=12 m=10
